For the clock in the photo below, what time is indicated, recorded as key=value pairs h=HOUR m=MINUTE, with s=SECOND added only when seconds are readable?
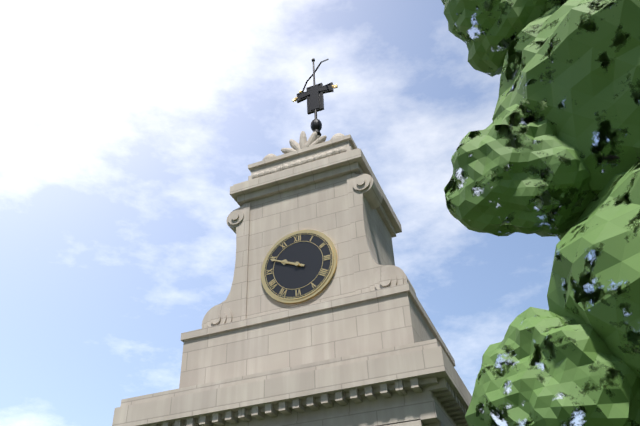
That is h=9 m=49
